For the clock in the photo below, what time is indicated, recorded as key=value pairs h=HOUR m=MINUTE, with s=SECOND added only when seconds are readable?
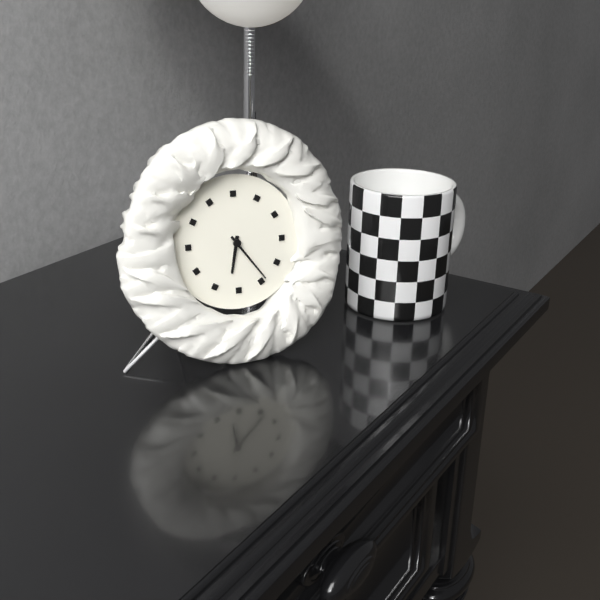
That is h=6 m=24
